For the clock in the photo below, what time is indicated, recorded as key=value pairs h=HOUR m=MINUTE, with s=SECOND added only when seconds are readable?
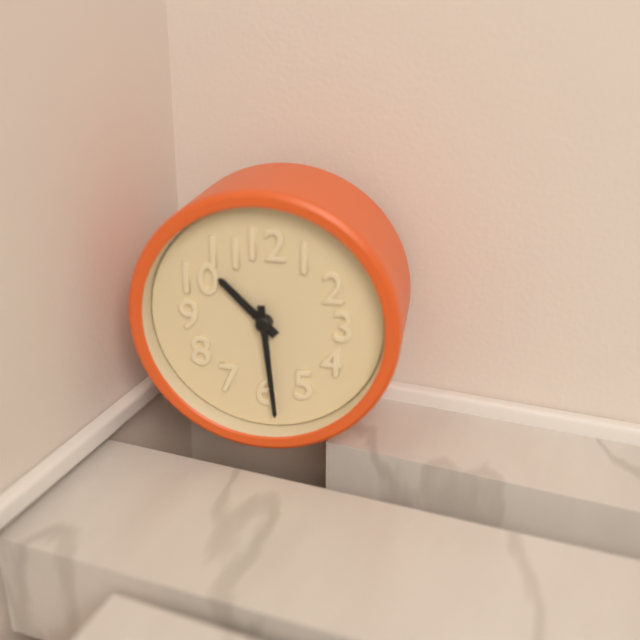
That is h=10 m=29
